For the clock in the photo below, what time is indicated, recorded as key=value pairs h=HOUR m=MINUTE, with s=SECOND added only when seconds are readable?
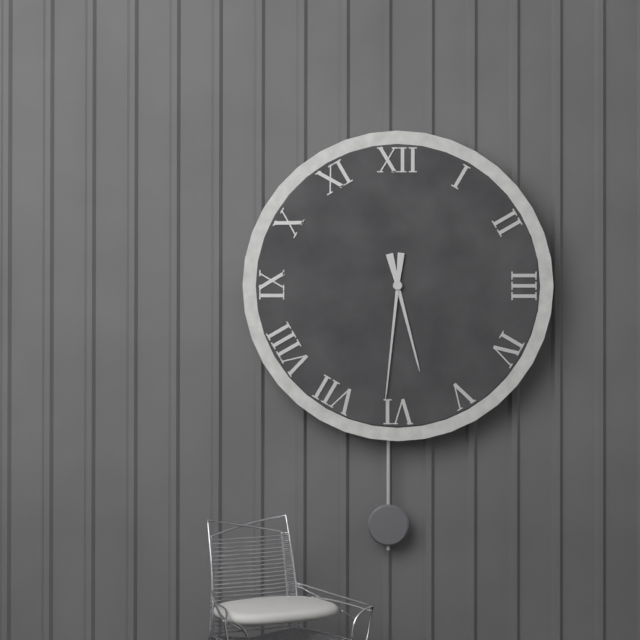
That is h=5 m=31
